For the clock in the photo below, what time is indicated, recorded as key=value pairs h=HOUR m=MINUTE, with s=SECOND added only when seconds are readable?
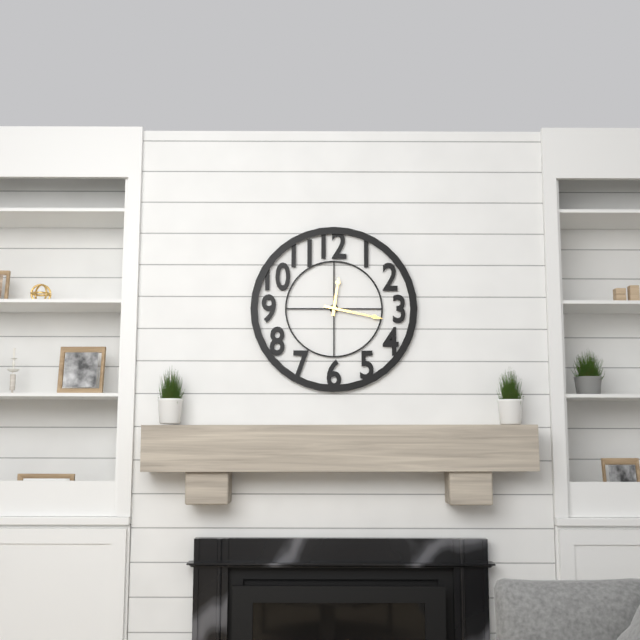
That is h=12 m=17
